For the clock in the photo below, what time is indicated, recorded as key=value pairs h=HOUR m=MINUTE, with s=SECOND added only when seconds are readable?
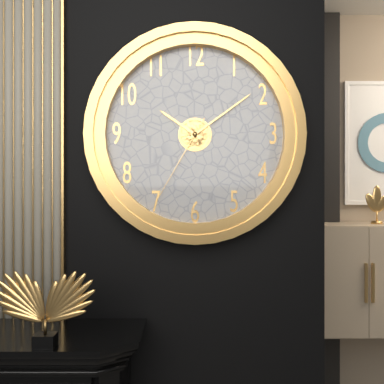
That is h=10 m=9 s=35
